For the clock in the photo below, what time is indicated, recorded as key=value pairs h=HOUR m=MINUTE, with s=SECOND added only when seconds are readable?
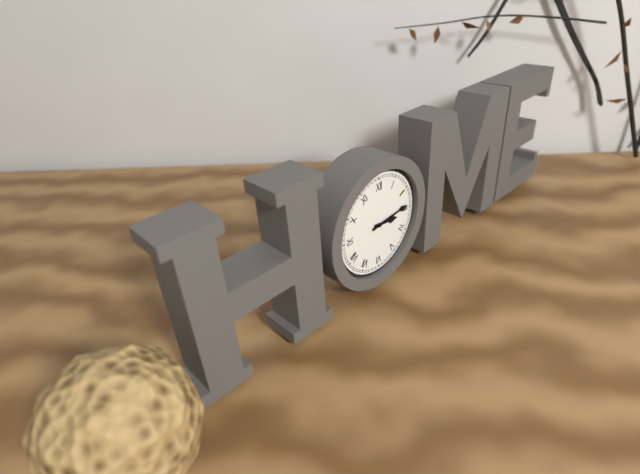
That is h=3 m=14
